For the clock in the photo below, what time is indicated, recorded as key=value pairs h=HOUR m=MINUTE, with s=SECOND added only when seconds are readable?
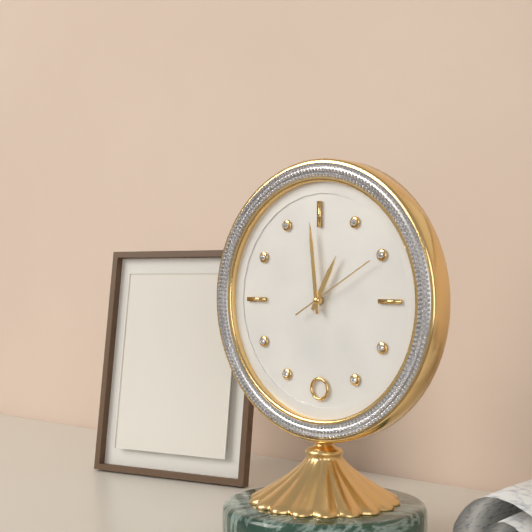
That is h=12 m=59 s=10
